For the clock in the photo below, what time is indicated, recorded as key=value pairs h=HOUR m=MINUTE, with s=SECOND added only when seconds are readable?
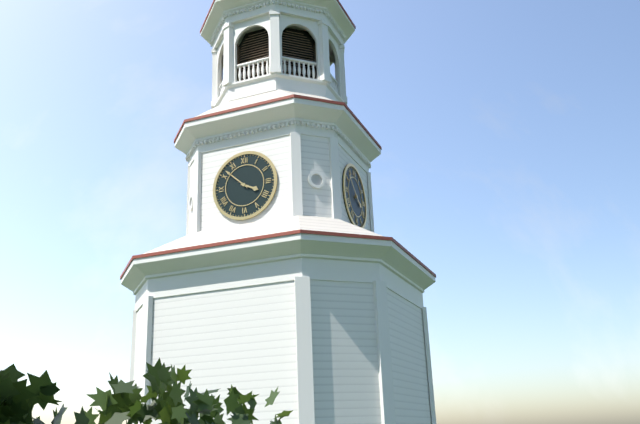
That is h=3 m=52
